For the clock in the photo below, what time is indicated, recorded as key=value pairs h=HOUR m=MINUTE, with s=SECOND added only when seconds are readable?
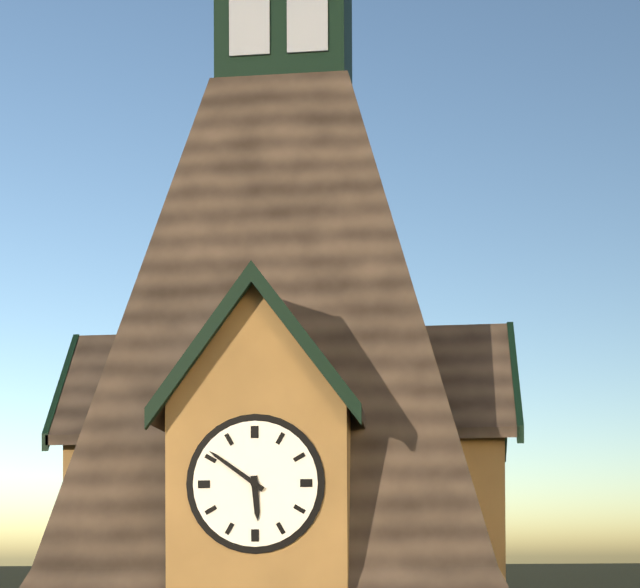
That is h=5 m=51
